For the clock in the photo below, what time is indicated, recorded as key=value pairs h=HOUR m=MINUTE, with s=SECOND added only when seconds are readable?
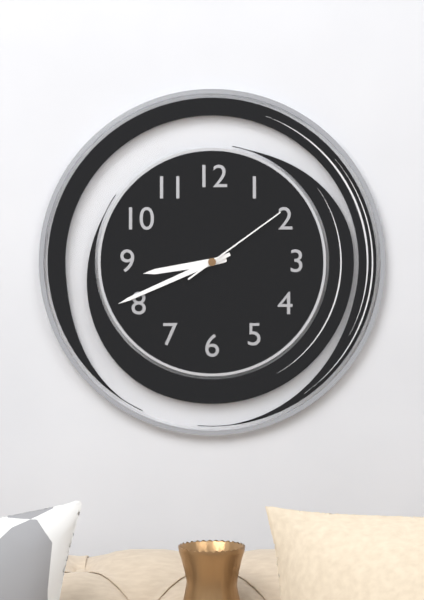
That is h=8 m=41 s=9
